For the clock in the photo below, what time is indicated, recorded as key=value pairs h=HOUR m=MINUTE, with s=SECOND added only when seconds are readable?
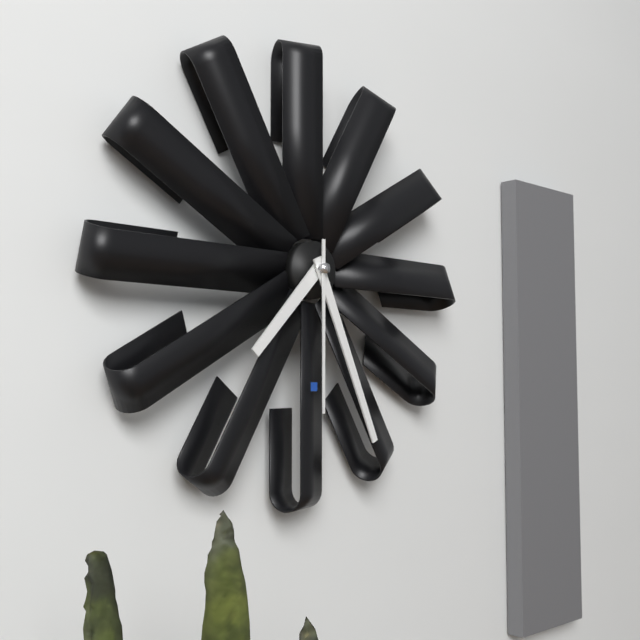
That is h=7 m=26 s=30
